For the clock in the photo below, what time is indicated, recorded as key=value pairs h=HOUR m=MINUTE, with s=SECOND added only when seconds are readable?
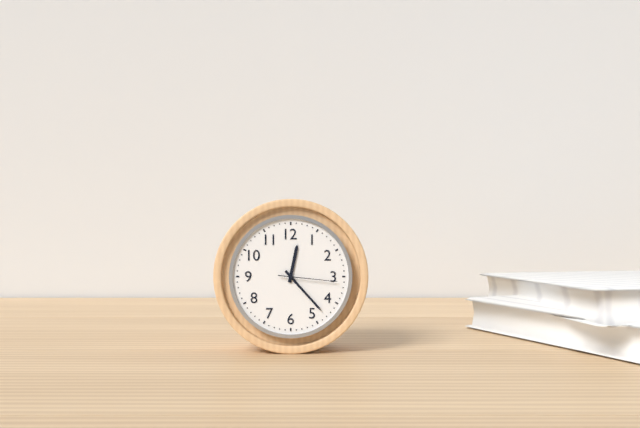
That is h=12 m=23 s=16
